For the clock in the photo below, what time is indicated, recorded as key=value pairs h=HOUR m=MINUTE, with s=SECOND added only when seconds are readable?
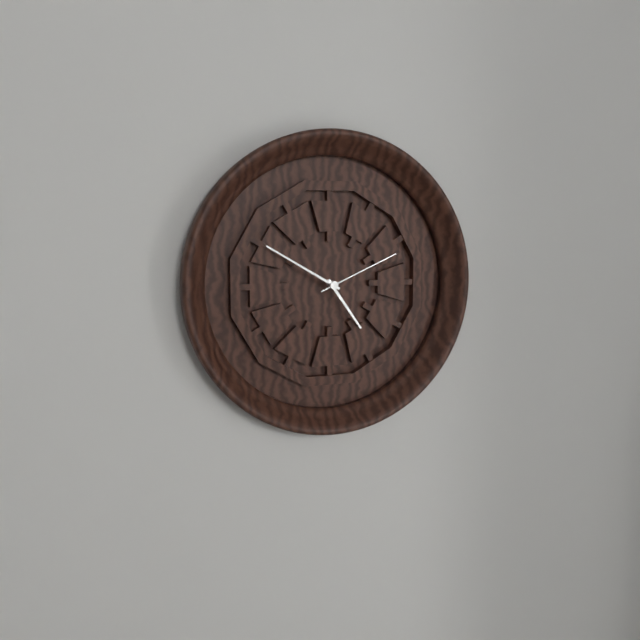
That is h=4 m=50 s=11
